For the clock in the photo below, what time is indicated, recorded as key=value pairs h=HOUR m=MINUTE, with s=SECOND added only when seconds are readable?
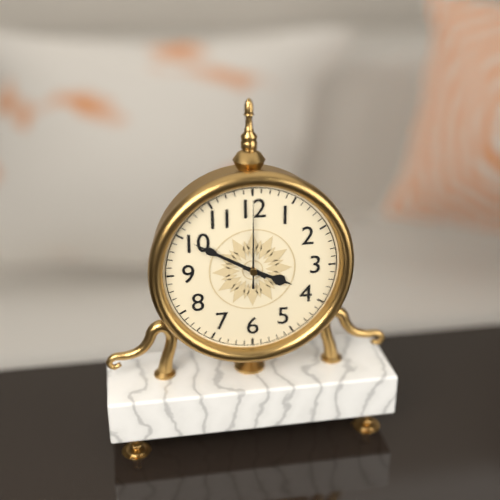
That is h=3 m=50 s=0
